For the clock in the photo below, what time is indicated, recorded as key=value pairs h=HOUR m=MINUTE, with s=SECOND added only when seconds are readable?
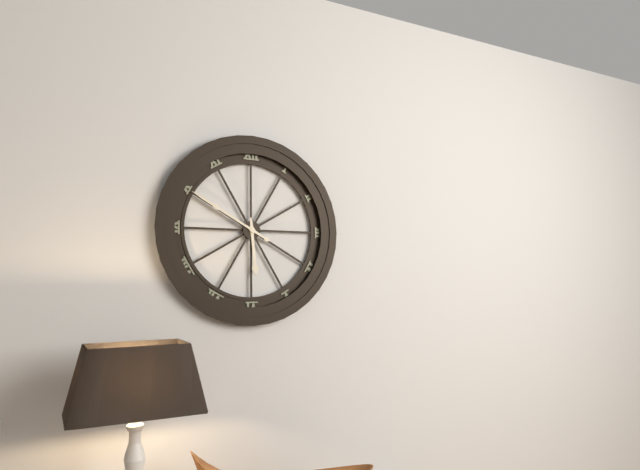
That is h=5 m=50
